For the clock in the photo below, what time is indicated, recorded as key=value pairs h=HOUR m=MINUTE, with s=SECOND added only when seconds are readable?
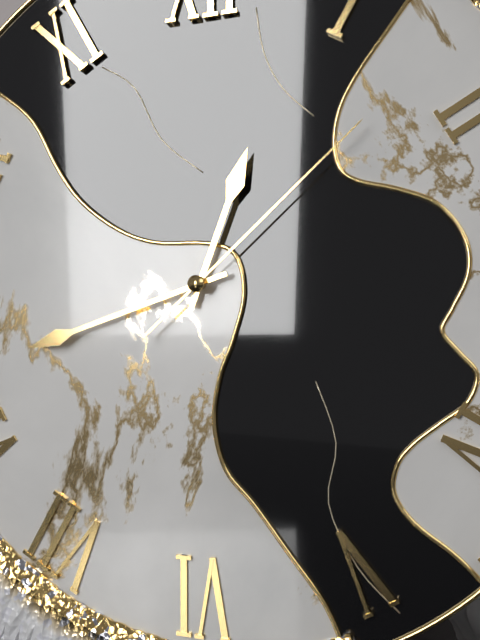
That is h=12 m=42 s=8
